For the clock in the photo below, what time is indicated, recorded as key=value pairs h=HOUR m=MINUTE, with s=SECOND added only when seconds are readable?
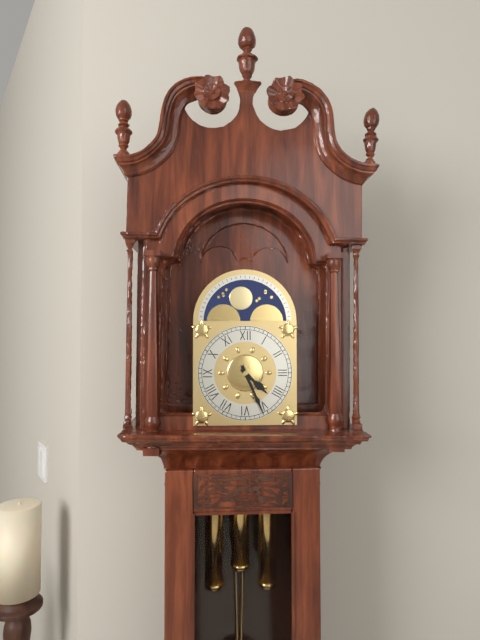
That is h=4 m=26
